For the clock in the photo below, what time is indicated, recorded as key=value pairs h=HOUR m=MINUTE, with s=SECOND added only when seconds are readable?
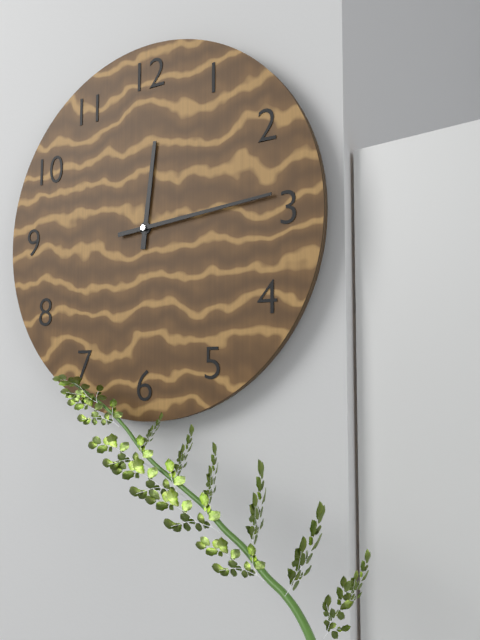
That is h=12 m=14
